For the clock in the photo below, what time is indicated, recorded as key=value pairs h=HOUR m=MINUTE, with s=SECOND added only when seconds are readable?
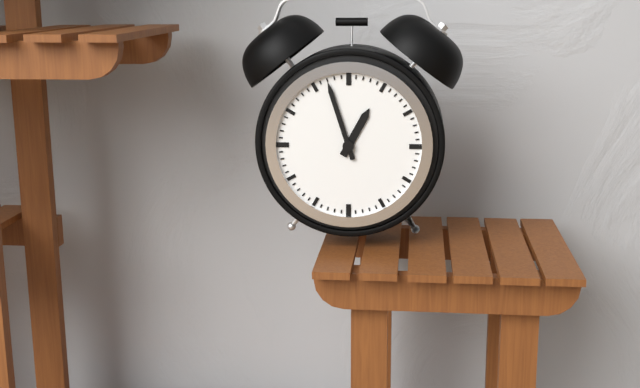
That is h=12 m=57
